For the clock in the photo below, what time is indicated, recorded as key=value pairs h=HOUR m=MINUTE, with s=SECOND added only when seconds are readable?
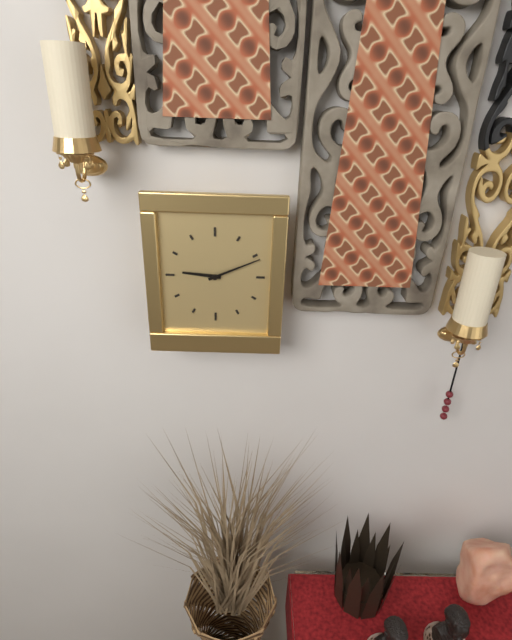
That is h=9 m=11
